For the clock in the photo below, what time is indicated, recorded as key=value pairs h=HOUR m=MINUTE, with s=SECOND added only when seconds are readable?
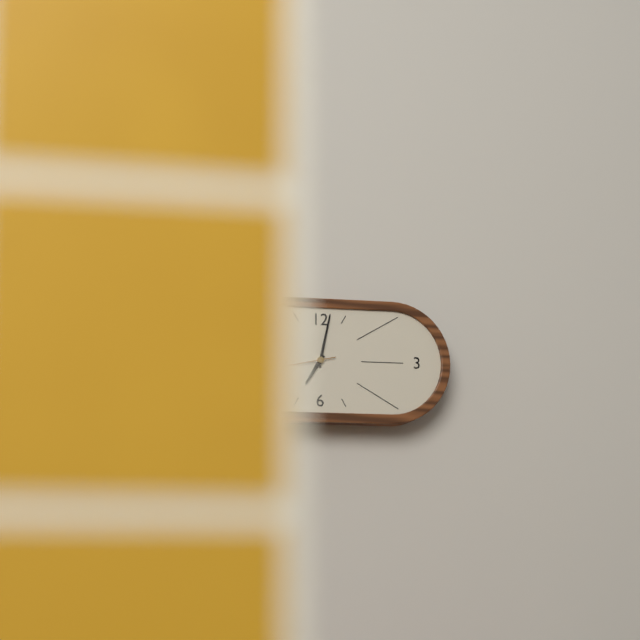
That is h=7 m=2
